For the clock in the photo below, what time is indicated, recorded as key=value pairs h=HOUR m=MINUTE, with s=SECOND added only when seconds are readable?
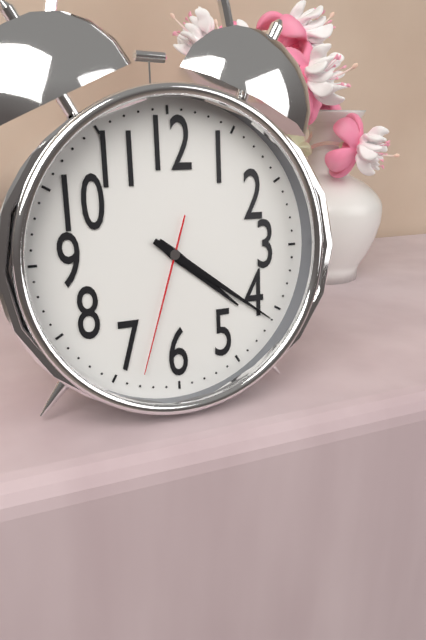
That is h=4 m=21 s=33
